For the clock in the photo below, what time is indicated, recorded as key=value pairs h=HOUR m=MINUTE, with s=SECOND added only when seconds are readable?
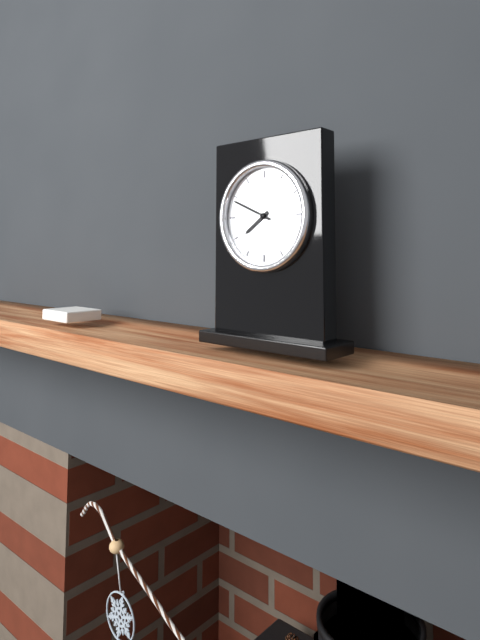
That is h=7 m=49
